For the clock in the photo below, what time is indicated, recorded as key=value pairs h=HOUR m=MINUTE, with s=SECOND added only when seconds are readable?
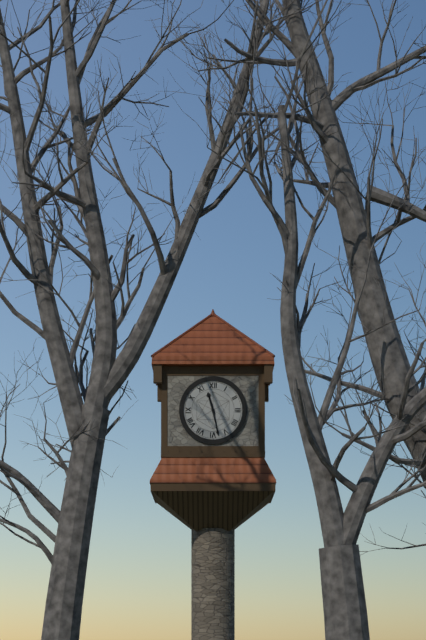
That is h=11 m=28
